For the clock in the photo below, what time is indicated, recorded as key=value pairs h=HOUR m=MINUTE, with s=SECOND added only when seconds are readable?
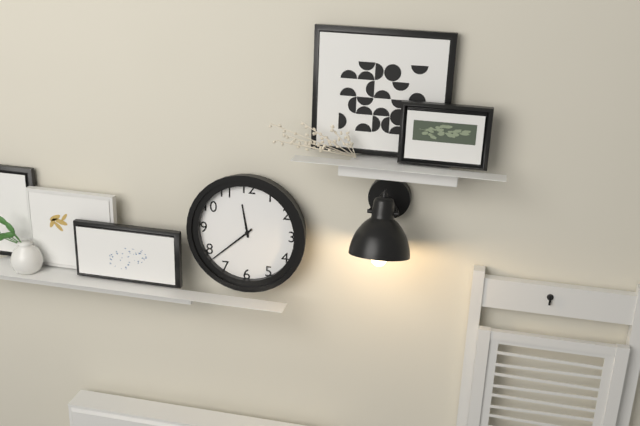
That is h=11 m=38
